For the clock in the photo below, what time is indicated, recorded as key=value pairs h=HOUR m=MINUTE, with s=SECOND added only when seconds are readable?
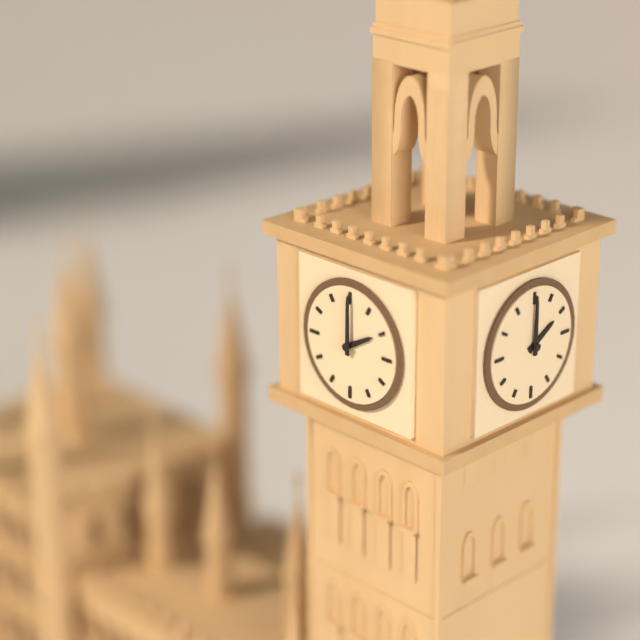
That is h=2 m=0
